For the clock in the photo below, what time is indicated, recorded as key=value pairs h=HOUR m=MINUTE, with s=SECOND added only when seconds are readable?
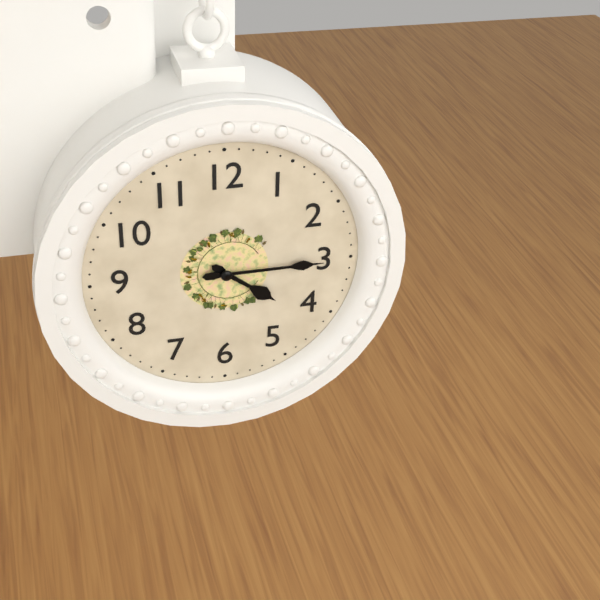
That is h=4 m=15
